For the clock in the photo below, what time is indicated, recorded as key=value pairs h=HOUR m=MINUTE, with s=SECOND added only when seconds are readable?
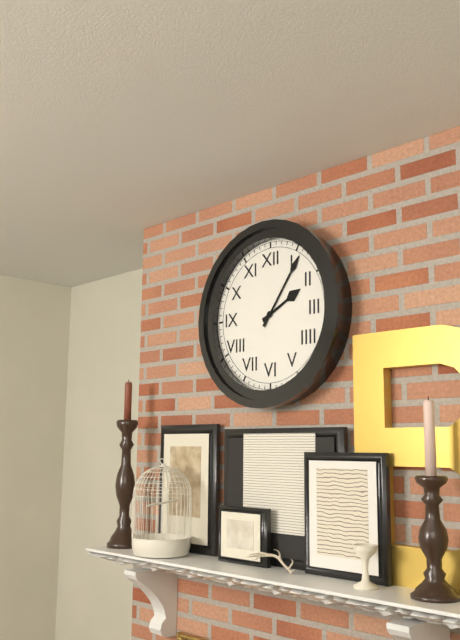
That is h=2 m=6
